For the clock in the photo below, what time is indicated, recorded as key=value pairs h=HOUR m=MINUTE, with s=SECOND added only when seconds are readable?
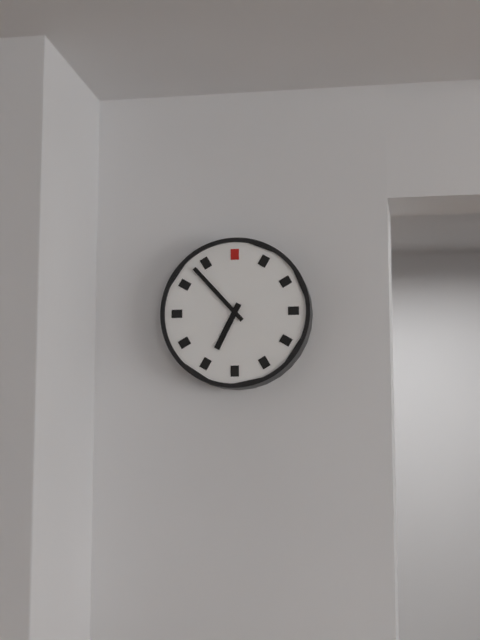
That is h=6 m=53
